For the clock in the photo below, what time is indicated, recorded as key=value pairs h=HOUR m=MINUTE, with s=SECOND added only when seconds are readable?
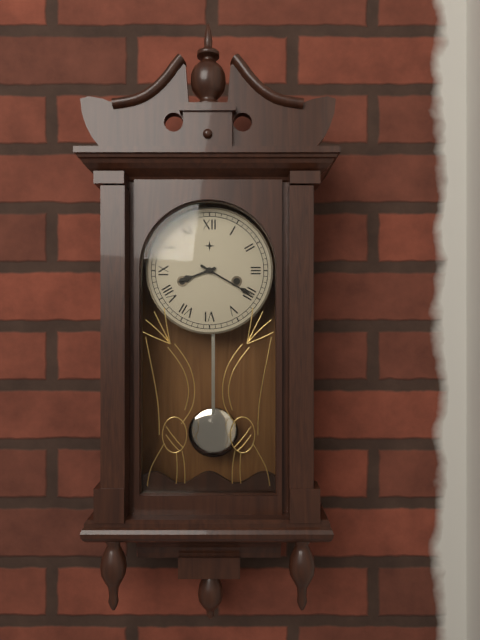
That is h=8 m=20
